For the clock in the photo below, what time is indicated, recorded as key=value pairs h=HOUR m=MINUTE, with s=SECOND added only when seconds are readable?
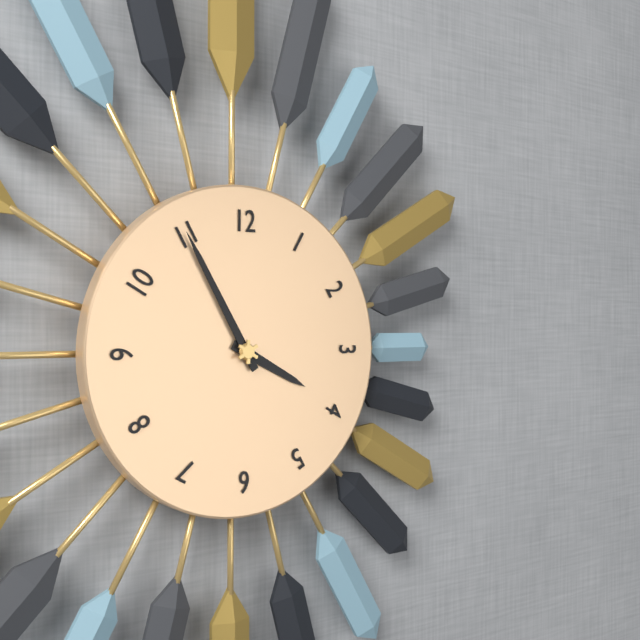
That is h=3 m=55
